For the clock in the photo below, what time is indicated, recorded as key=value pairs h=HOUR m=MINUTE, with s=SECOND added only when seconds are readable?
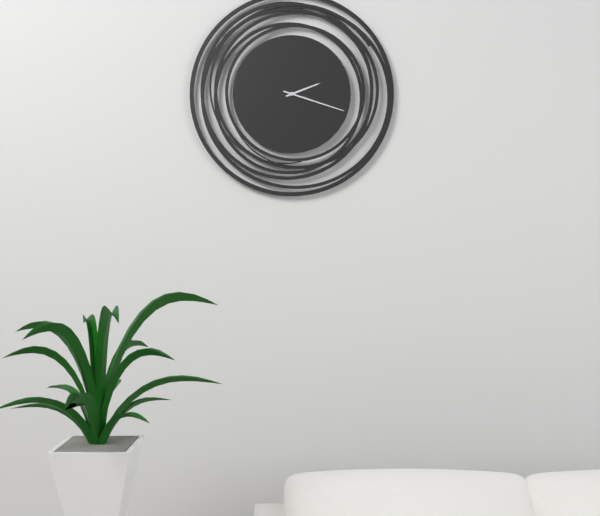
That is h=2 m=18
